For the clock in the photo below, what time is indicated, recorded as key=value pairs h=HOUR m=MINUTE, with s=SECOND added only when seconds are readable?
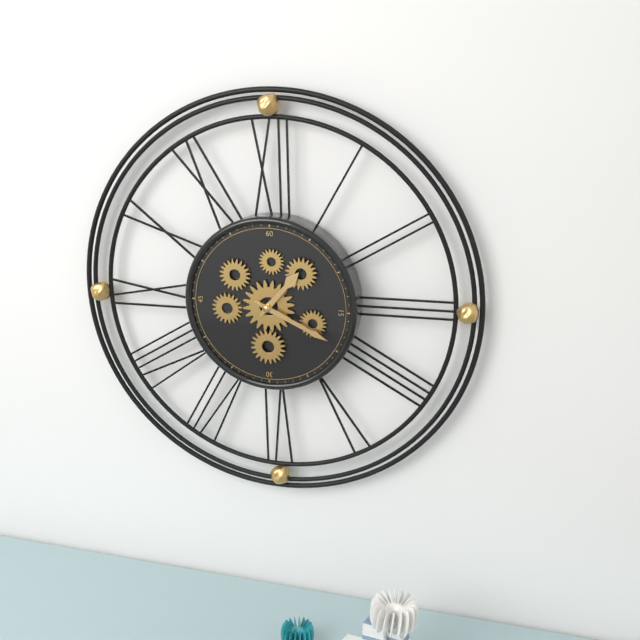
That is h=1 m=19
